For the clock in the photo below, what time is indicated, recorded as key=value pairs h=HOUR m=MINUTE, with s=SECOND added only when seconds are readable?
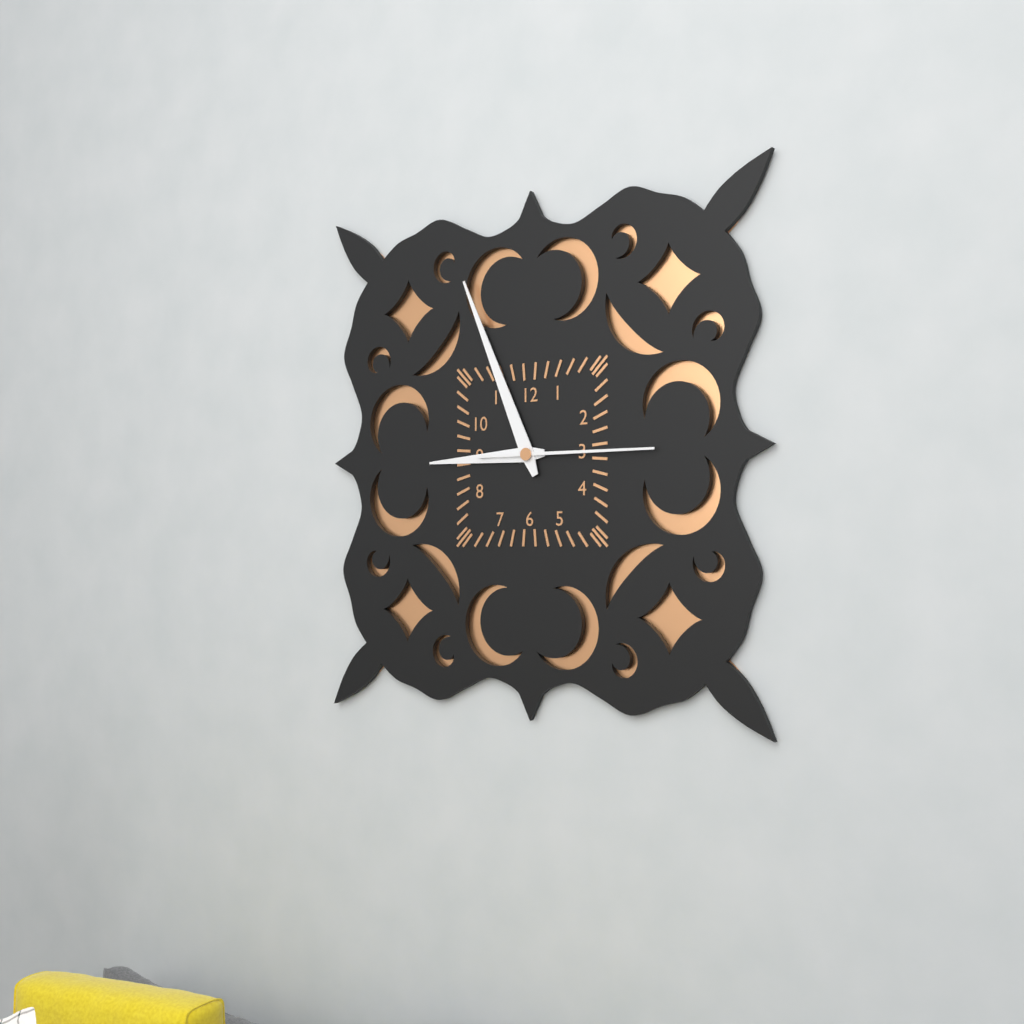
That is h=8 m=56 s=15
